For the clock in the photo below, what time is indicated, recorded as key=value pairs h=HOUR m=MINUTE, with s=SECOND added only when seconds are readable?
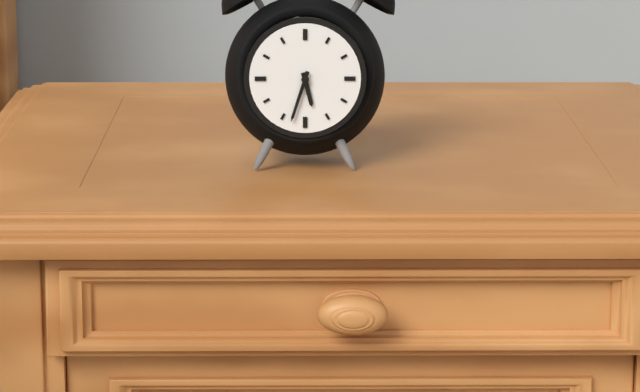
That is h=5 m=33
